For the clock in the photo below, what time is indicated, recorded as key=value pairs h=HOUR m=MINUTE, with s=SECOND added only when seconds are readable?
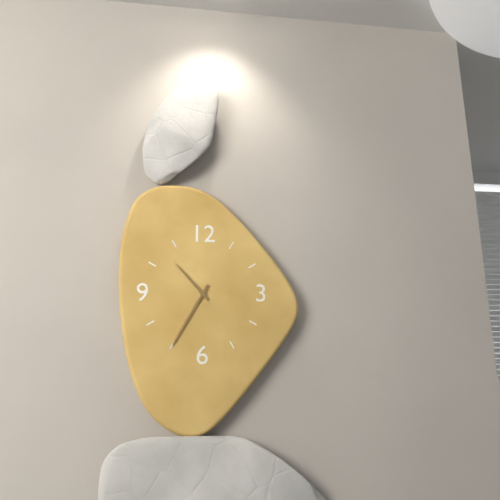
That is h=10 m=35
